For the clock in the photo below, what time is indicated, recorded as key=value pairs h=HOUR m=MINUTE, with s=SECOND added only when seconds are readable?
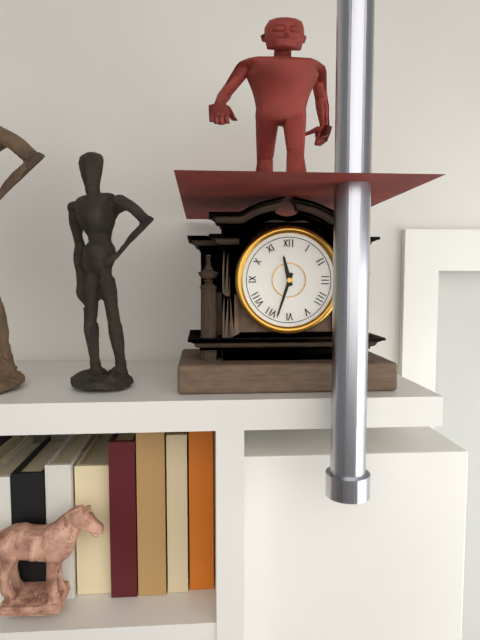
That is h=11 m=33
